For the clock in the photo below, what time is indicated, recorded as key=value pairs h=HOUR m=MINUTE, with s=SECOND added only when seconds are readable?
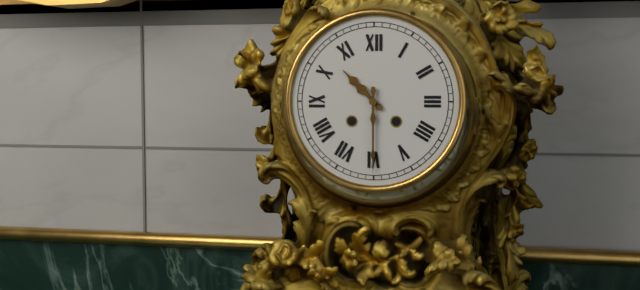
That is h=10 m=30
